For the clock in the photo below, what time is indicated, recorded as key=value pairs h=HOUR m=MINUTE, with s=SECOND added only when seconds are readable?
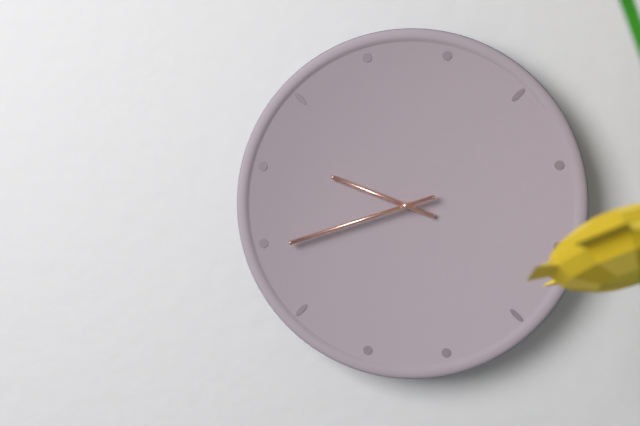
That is h=9 m=42
